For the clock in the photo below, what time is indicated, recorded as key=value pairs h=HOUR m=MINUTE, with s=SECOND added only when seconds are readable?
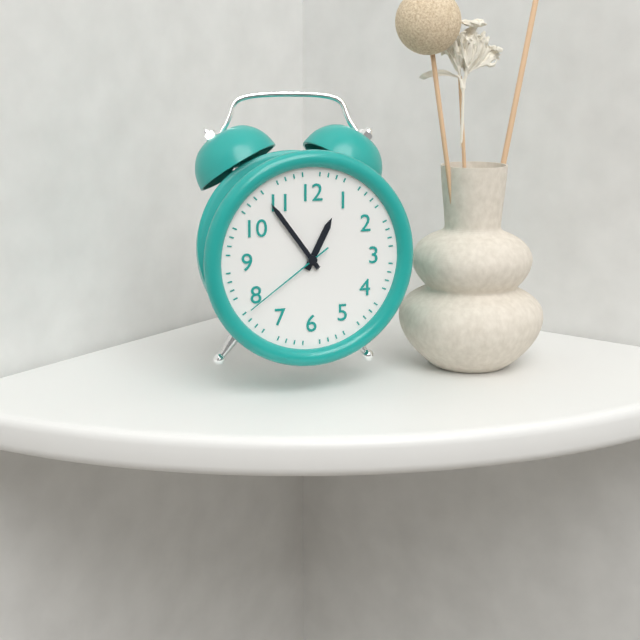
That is h=12 m=54 s=39
